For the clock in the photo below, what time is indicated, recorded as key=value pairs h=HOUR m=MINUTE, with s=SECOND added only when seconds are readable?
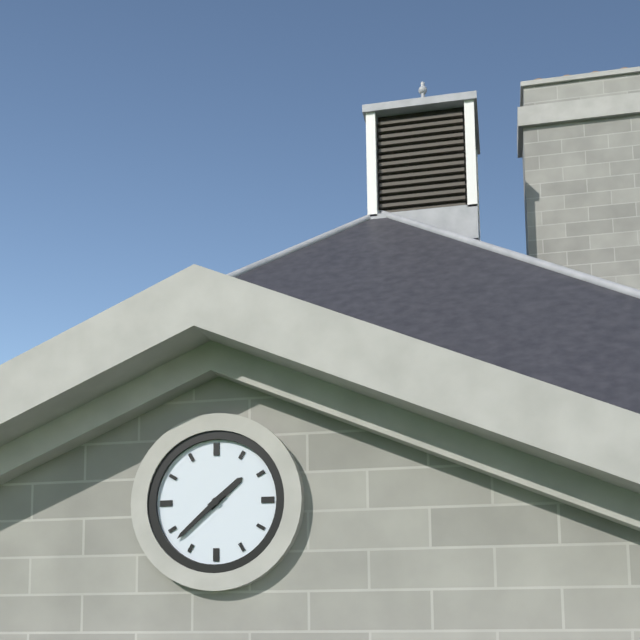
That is h=1 m=38
